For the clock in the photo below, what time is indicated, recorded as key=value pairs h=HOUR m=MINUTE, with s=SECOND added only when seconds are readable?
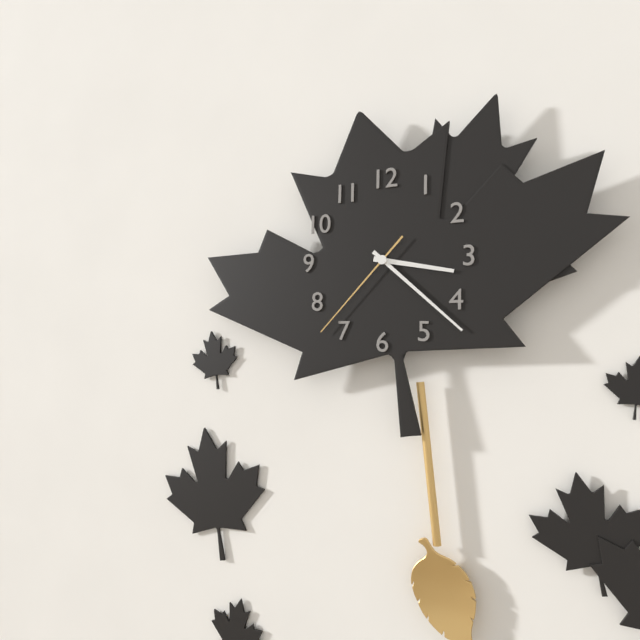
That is h=3 m=22 s=37
